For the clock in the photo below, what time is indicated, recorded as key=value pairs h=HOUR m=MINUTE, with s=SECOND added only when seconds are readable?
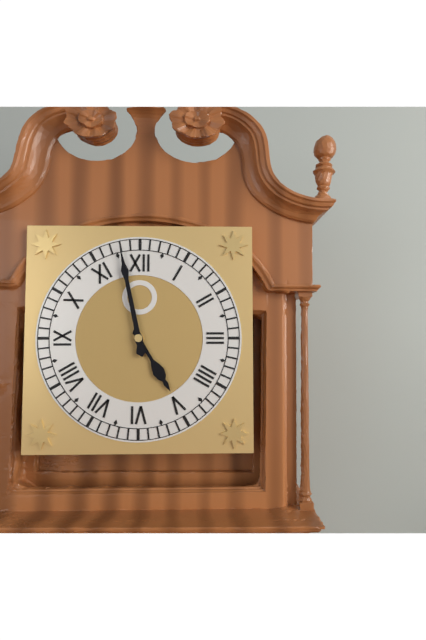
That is h=4 m=58
